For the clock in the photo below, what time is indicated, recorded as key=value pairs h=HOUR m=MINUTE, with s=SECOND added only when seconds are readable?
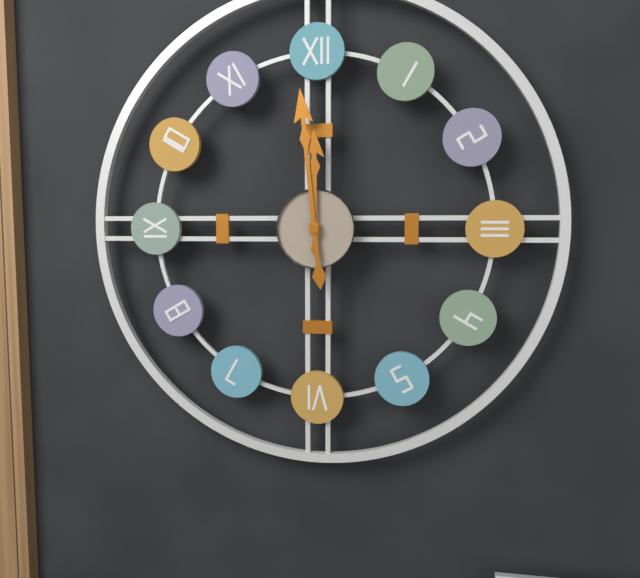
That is h=11 m=59
